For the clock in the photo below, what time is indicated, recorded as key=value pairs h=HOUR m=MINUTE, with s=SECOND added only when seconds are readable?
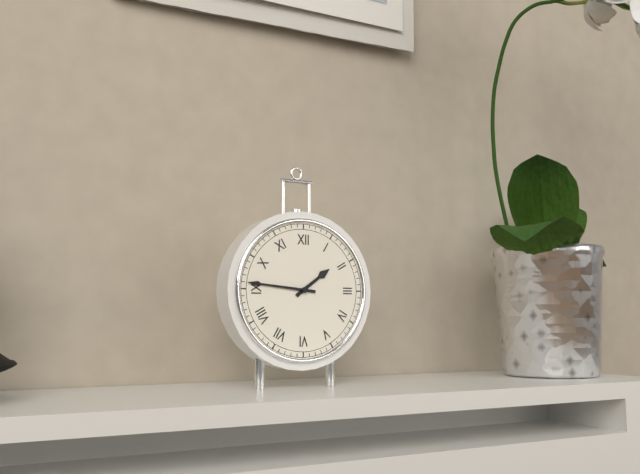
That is h=1 m=46
